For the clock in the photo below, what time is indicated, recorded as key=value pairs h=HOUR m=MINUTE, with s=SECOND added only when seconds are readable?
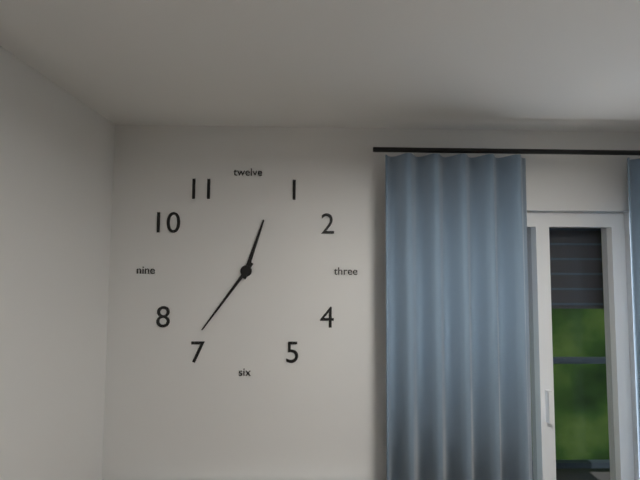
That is h=12 m=36
